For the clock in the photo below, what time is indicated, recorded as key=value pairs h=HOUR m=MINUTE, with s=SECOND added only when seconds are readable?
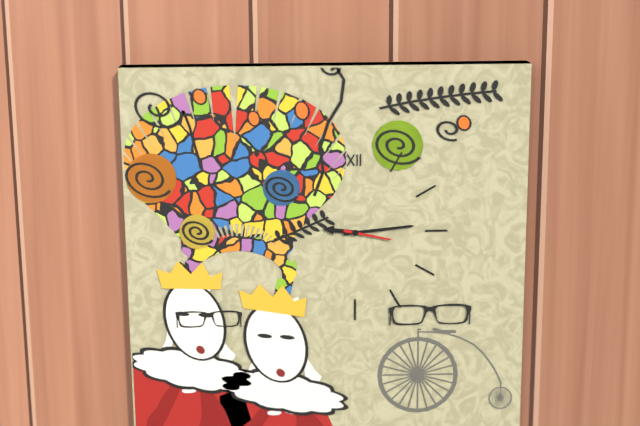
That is h=9 m=14
